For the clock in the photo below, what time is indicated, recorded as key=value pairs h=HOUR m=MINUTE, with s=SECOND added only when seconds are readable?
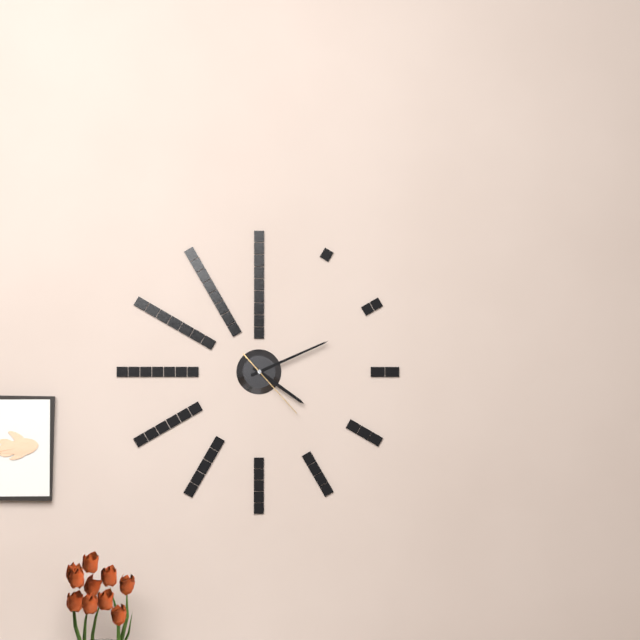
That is h=4 m=11 s=23
